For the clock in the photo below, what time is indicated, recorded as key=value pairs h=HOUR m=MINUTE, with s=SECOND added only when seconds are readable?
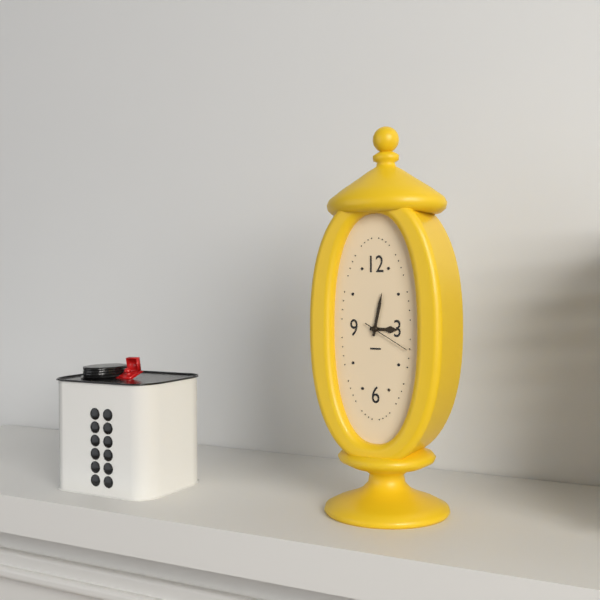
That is h=3 m=2
